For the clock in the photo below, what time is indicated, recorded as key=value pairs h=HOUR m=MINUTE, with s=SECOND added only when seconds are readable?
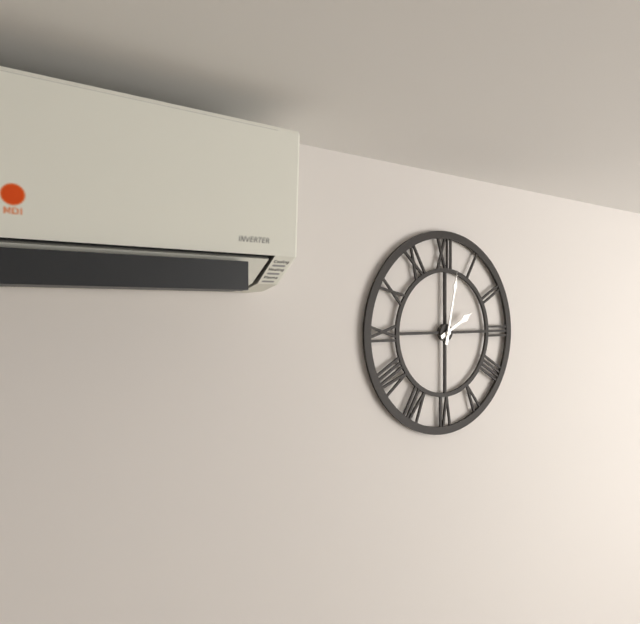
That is h=2 m=2
